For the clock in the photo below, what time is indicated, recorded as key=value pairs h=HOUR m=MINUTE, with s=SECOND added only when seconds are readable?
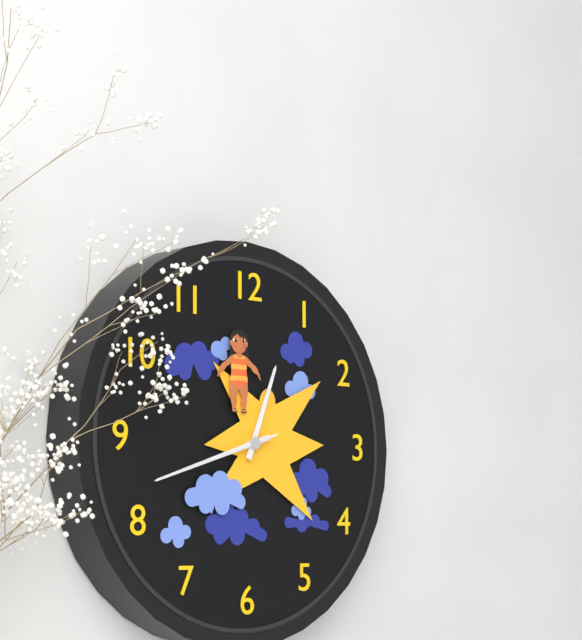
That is h=12 m=42 s=42
